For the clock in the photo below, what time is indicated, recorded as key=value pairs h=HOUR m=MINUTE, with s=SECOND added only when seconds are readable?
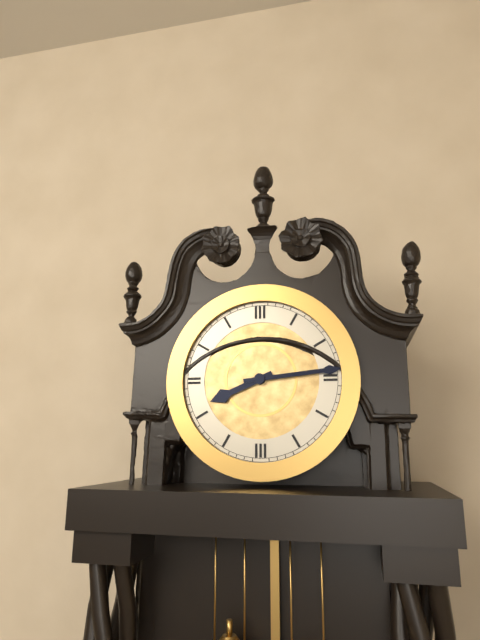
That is h=8 m=14
